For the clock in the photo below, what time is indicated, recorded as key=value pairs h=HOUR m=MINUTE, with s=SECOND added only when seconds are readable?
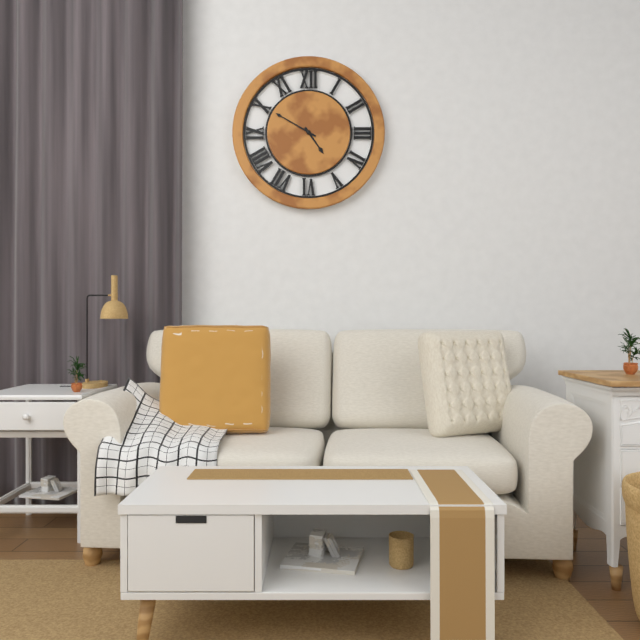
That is h=4 m=50
